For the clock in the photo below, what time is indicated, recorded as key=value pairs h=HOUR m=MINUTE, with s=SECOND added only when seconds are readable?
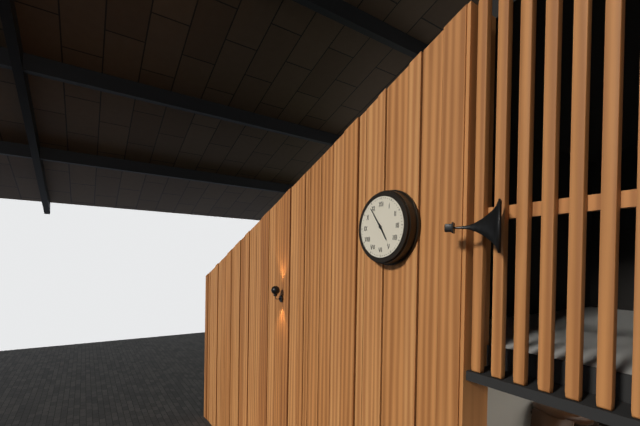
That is h=4 m=54
